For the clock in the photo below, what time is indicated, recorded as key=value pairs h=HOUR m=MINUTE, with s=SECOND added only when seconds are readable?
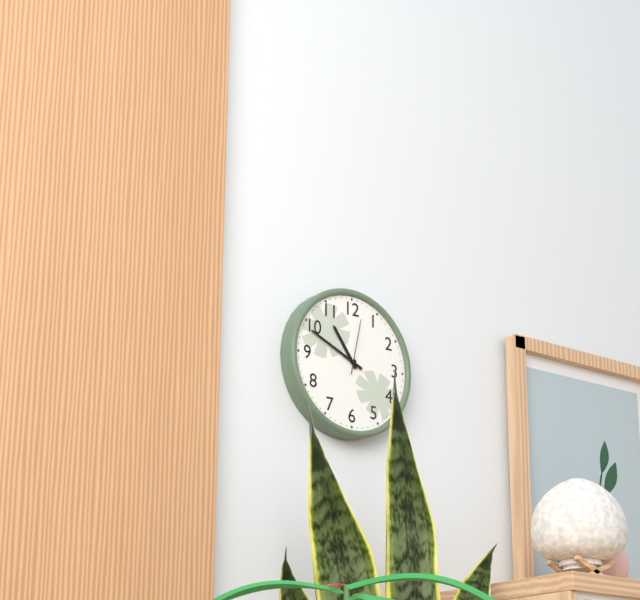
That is h=10 m=49 s=2
